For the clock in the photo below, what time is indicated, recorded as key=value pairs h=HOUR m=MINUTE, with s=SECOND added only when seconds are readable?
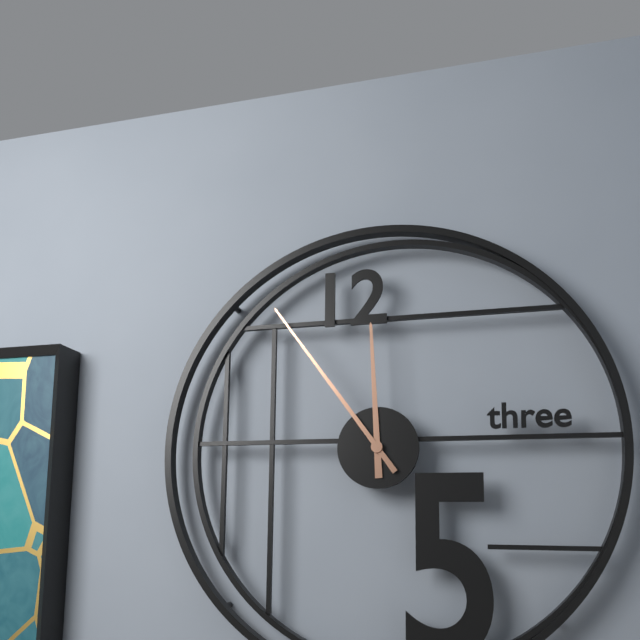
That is h=11 m=54
